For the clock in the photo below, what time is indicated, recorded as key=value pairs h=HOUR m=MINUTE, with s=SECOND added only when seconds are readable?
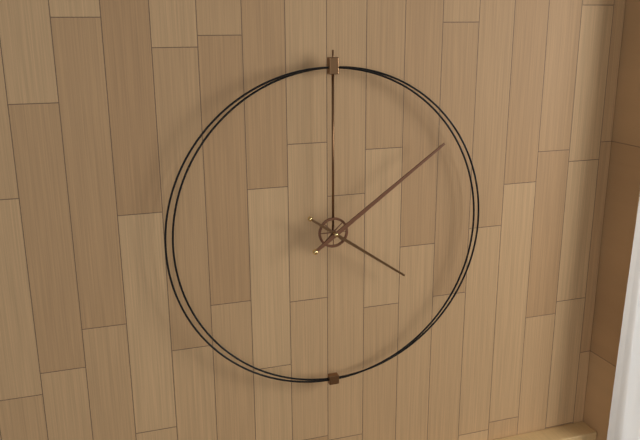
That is h=4 m=9
